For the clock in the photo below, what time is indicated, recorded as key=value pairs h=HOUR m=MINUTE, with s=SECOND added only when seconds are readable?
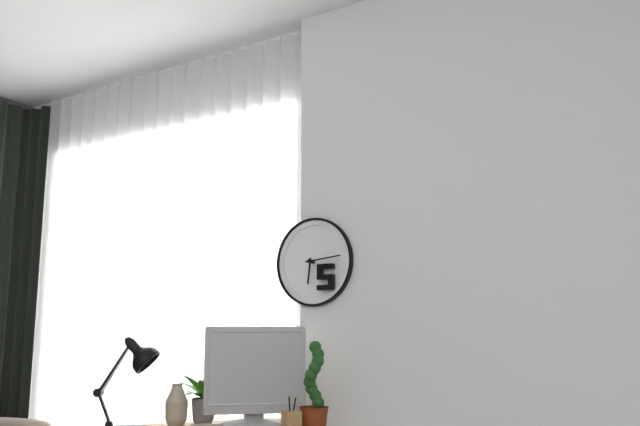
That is h=6 m=14
